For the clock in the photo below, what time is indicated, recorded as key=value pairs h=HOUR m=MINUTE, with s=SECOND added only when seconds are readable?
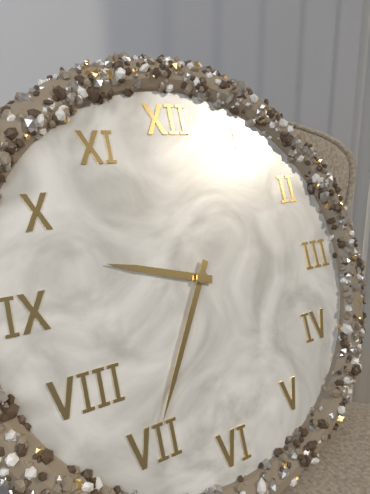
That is h=9 m=35
